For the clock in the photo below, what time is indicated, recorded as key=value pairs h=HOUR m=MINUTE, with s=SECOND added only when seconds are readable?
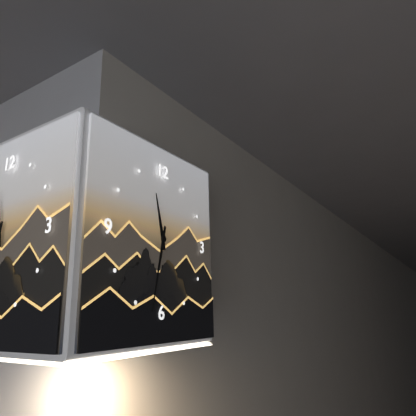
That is h=11 m=32
